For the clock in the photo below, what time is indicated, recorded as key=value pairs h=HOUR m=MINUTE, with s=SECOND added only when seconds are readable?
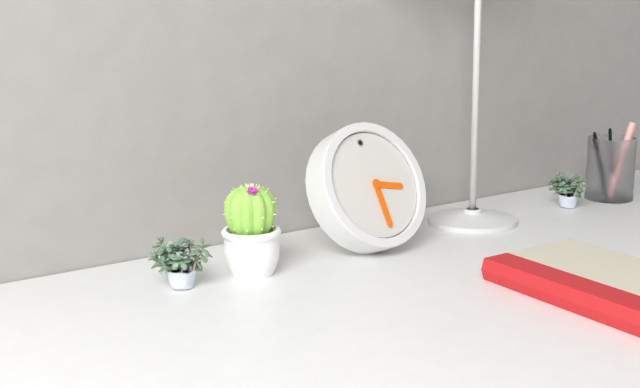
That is h=3 m=30
